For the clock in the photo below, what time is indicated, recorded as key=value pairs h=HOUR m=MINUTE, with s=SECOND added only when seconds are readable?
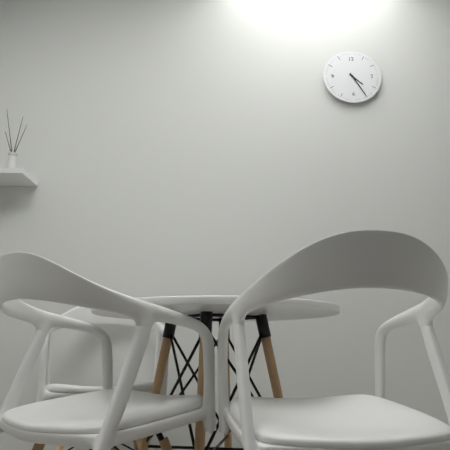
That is h=4 m=25
